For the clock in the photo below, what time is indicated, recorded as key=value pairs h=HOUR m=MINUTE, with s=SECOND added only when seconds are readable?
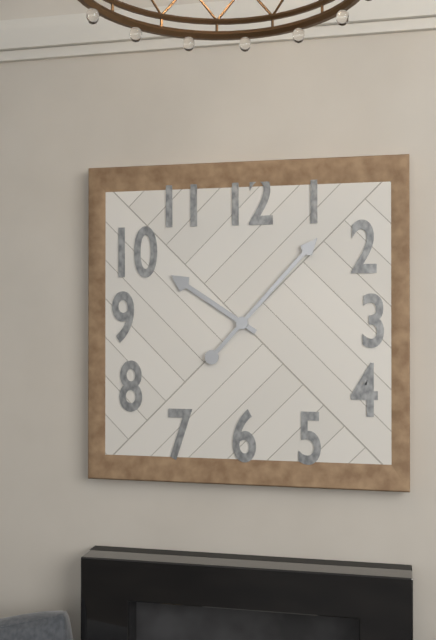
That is h=10 m=7
